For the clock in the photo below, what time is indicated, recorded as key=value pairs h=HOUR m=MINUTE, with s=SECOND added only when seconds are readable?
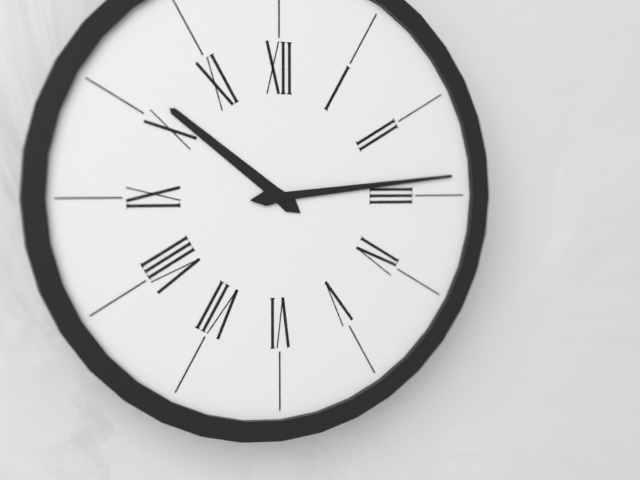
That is h=10 m=14
